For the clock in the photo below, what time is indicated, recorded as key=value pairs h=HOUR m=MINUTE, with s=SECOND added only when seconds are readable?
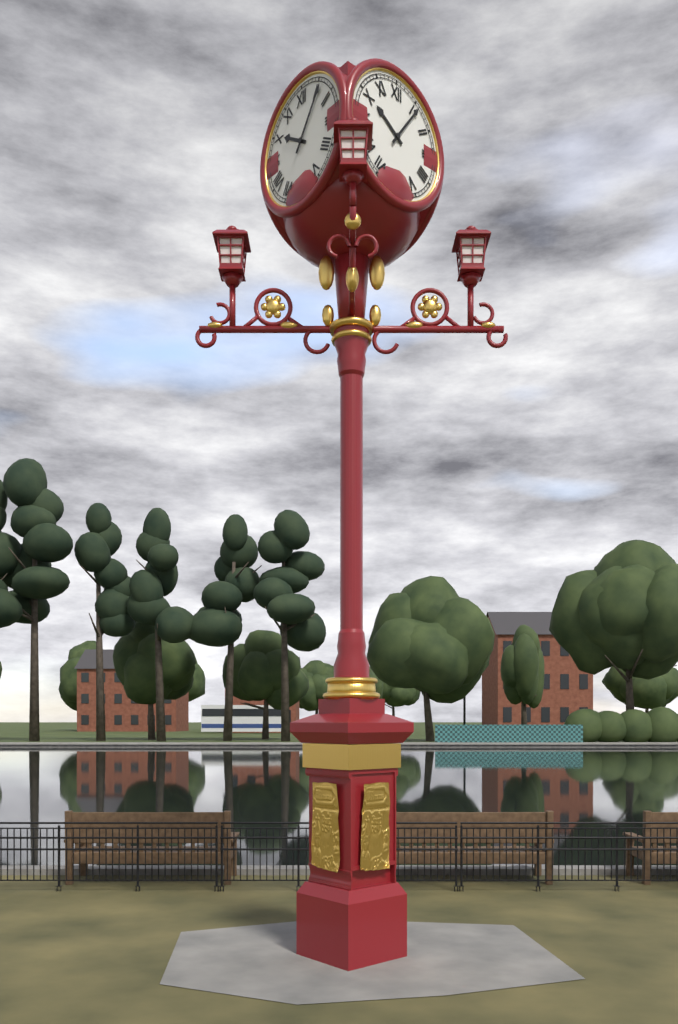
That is h=10 m=6
